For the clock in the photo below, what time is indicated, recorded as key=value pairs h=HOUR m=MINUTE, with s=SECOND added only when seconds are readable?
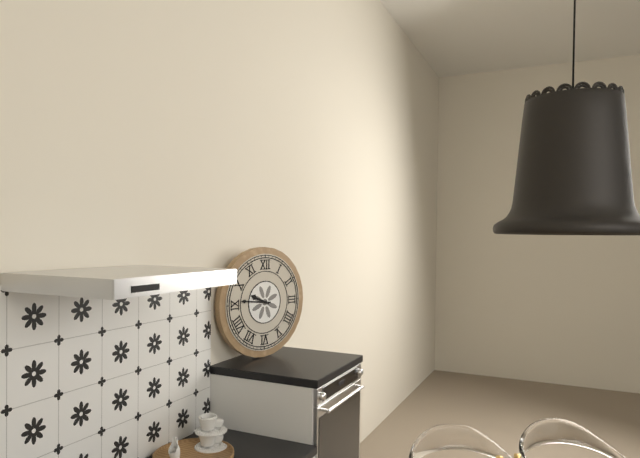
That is h=9 m=46
